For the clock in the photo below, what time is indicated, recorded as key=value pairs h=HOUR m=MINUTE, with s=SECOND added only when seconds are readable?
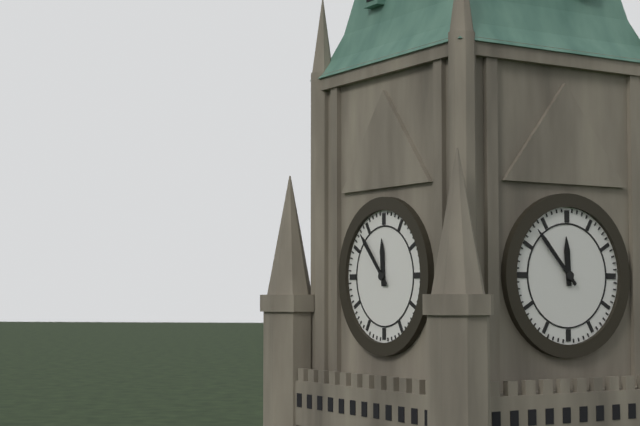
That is h=11 m=53
